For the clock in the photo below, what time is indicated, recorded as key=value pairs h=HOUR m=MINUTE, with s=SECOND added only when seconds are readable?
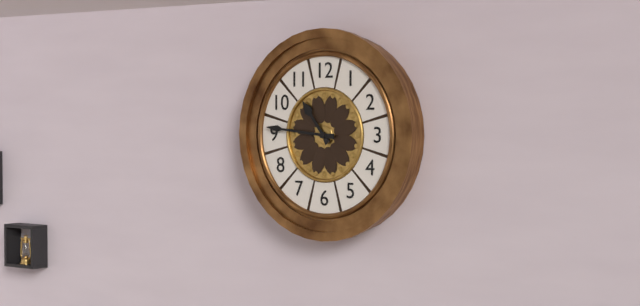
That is h=10 m=46
